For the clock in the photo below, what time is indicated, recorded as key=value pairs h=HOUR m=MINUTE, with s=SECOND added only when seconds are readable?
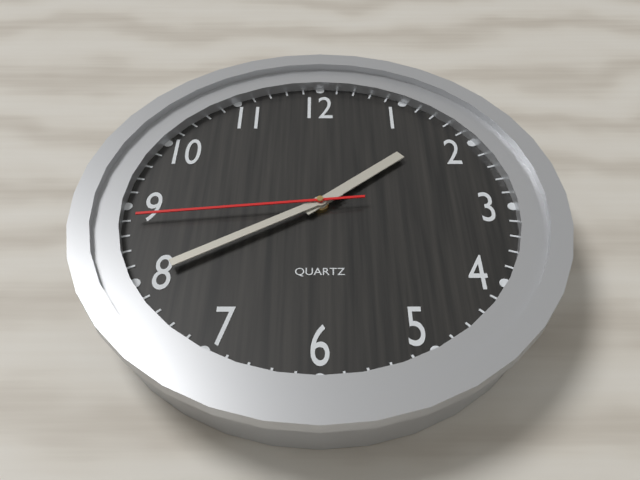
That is h=1 m=40 s=44
